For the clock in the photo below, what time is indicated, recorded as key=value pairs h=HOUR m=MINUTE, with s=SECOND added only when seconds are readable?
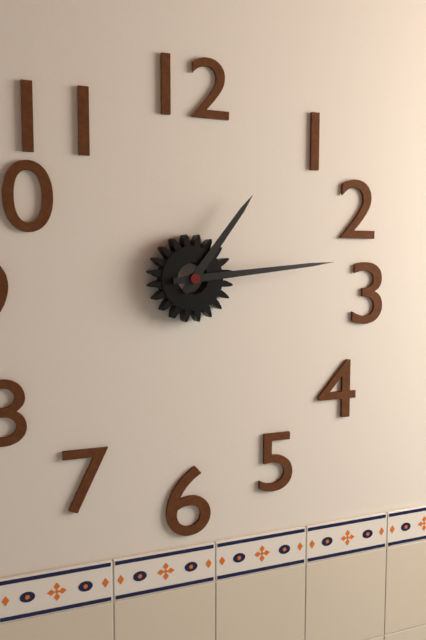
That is h=1 m=14
